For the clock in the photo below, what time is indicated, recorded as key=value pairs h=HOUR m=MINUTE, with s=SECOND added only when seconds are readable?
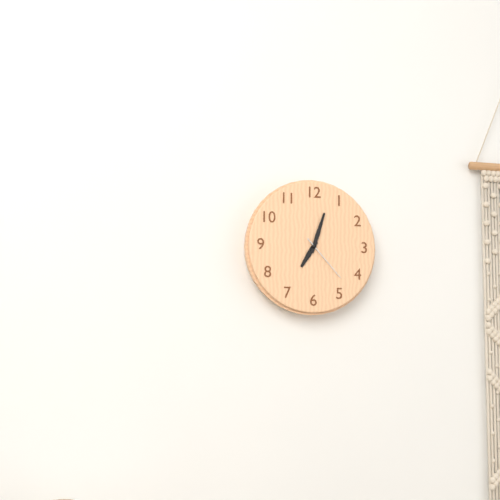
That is h=7 m=3 s=23
